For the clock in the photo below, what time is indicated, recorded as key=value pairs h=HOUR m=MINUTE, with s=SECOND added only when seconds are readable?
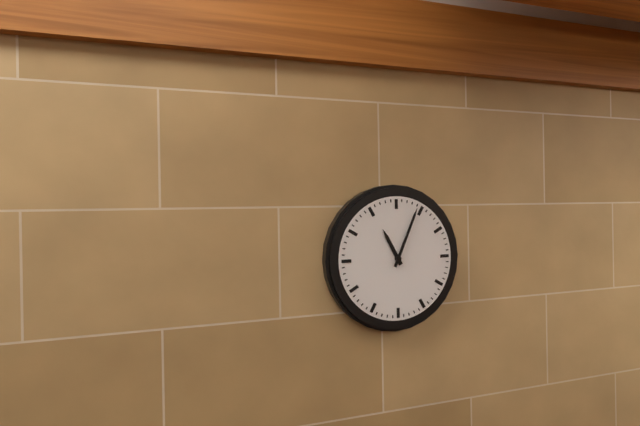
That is h=11 m=4
